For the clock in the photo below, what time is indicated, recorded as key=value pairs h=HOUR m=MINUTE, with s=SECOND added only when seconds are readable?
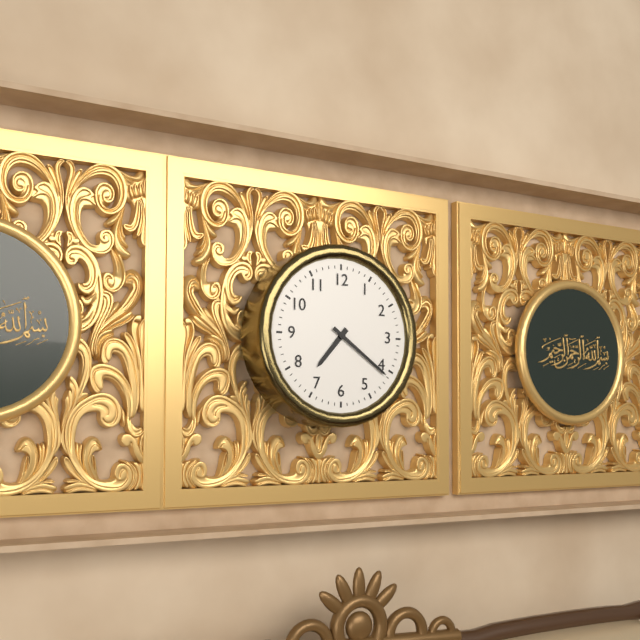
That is h=7 m=21
